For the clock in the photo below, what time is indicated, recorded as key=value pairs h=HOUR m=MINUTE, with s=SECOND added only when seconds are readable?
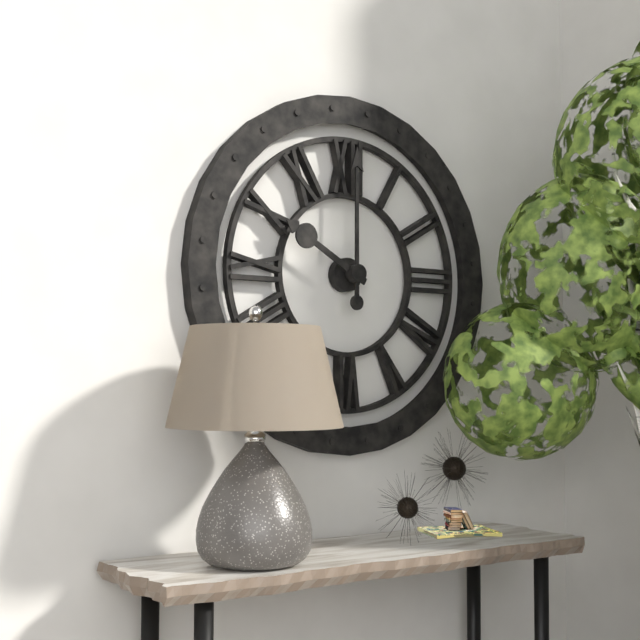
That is h=10 m=0
